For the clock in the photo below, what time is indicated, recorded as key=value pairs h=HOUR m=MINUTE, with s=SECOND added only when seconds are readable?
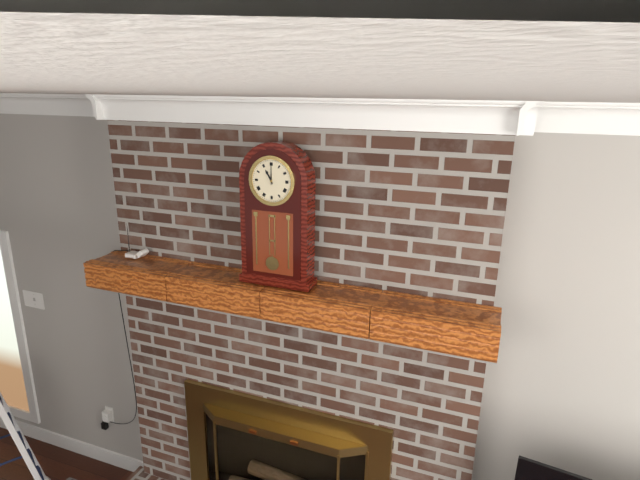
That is h=11 m=0
